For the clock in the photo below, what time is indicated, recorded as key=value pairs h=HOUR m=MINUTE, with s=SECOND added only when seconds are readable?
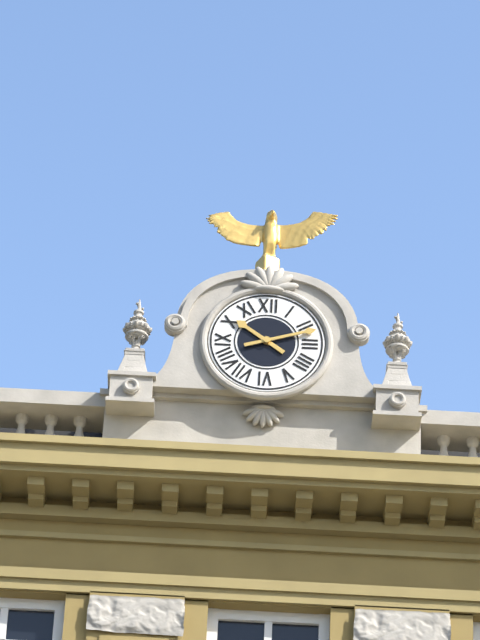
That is h=10 m=12
